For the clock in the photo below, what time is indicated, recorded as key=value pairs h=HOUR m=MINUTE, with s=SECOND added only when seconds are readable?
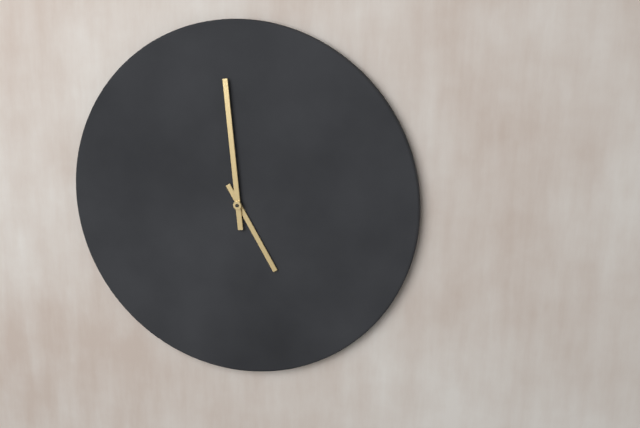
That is h=4 m=59
